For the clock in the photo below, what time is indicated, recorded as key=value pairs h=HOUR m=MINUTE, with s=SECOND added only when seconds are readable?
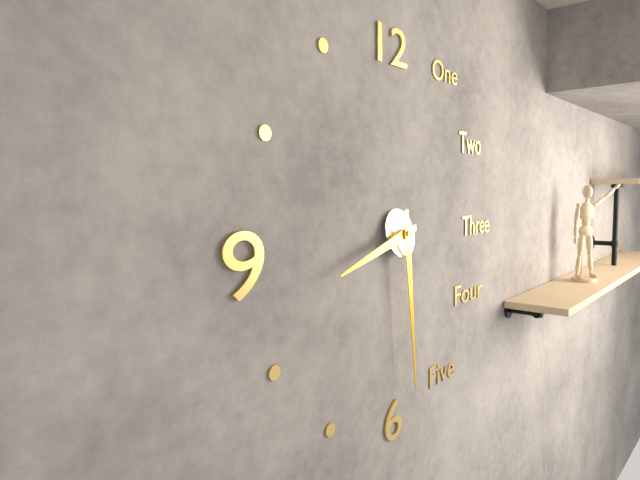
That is h=8 m=29
